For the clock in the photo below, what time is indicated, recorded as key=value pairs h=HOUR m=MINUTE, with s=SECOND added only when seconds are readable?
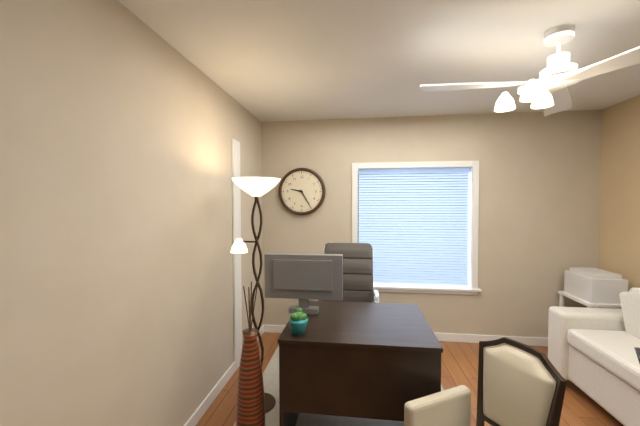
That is h=9 m=25
